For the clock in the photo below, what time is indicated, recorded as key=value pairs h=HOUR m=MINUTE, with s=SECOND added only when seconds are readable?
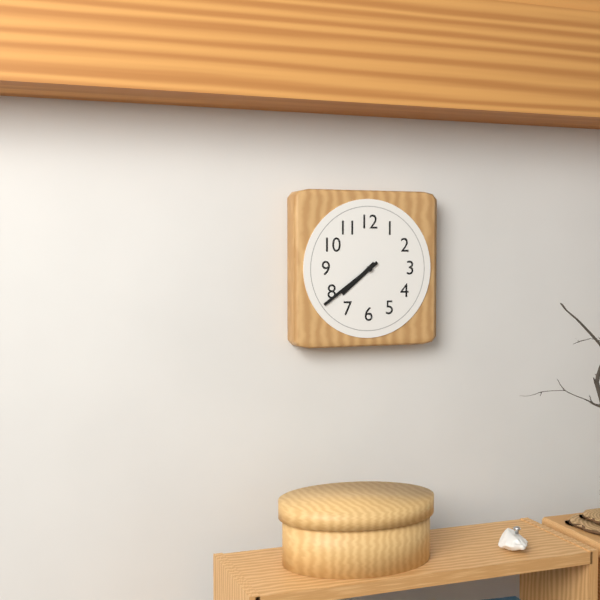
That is h=7 m=39
